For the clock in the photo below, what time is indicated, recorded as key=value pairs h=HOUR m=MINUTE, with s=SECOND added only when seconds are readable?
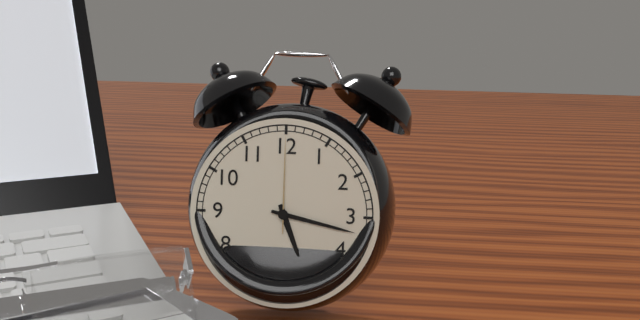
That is h=5 m=17 s=0
